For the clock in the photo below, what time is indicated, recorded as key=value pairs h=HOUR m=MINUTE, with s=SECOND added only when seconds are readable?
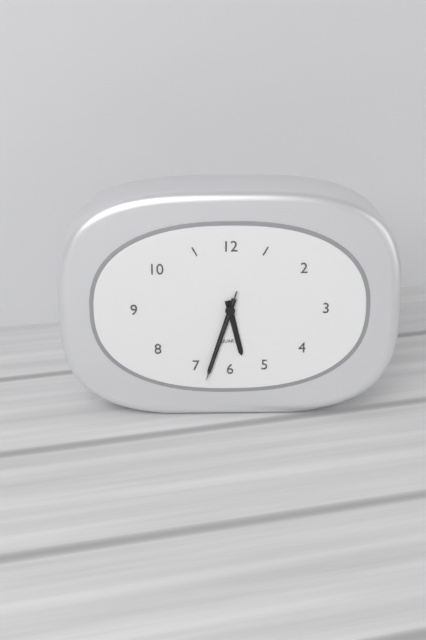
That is h=5 m=33 s=33
